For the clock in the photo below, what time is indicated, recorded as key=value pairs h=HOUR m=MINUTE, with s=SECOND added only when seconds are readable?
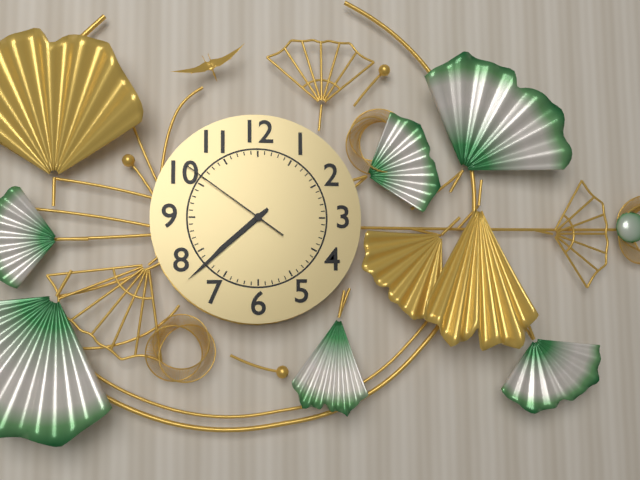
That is h=7 m=38 s=51
